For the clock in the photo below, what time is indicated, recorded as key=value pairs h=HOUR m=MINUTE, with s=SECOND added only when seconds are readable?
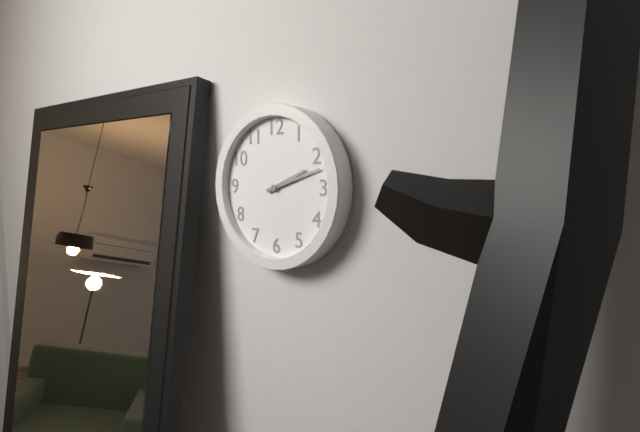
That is h=2 m=12
